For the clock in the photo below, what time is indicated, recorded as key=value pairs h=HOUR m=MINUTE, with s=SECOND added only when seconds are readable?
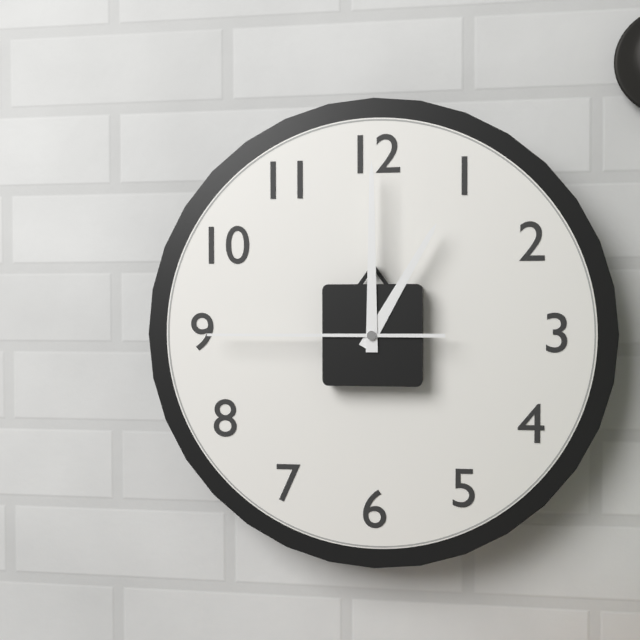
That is h=1 m=0 s=45
